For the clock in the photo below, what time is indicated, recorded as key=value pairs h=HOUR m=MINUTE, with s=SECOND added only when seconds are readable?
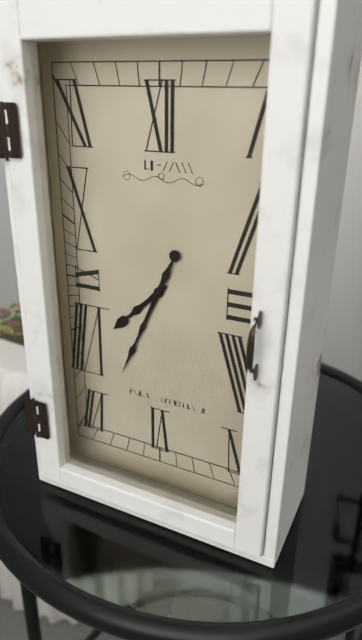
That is h=7 m=34
